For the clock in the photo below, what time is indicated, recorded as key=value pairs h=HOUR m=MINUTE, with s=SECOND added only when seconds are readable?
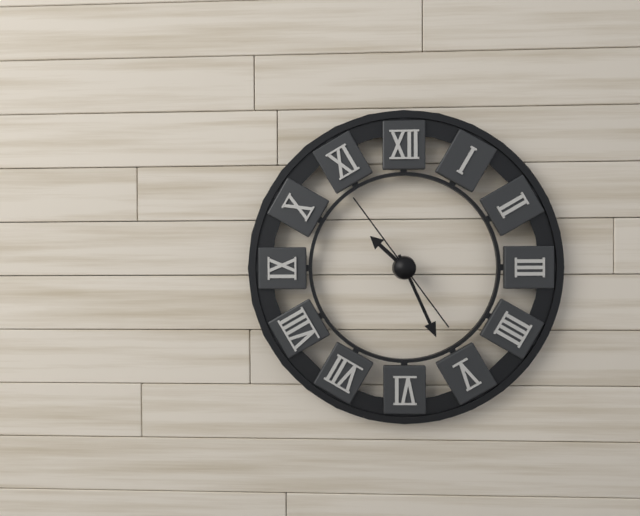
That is h=10 m=26 s=54
